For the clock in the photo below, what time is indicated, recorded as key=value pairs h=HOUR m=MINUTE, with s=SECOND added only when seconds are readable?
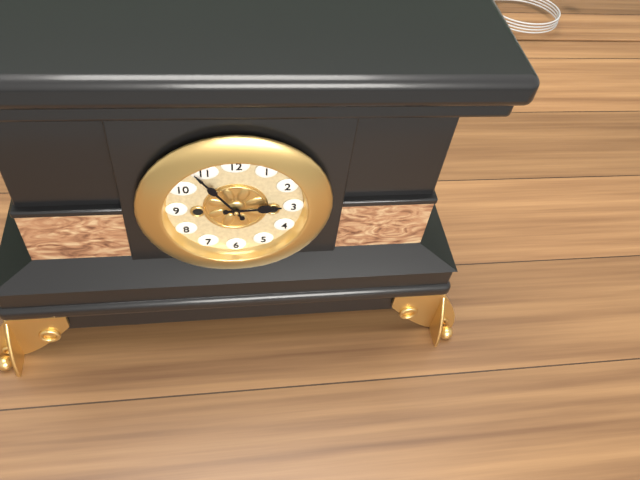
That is h=2 m=54
